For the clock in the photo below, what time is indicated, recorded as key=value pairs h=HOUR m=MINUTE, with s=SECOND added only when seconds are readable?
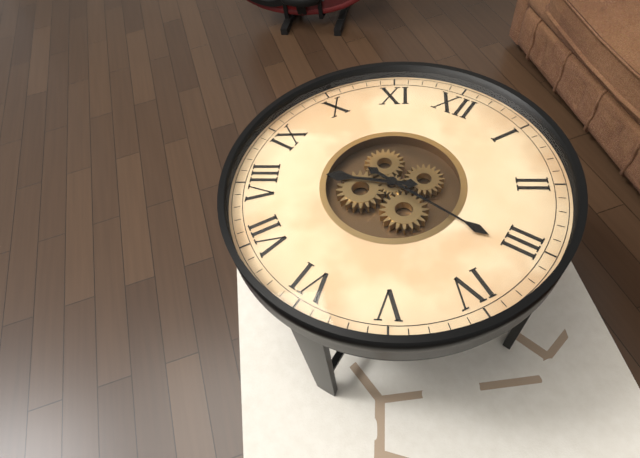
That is h=8 m=16
